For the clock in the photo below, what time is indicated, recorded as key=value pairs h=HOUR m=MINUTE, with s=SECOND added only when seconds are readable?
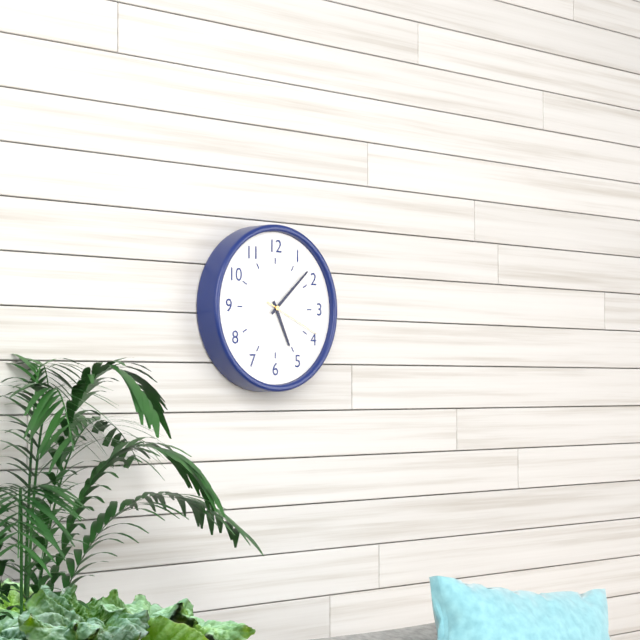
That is h=5 m=8 s=19
